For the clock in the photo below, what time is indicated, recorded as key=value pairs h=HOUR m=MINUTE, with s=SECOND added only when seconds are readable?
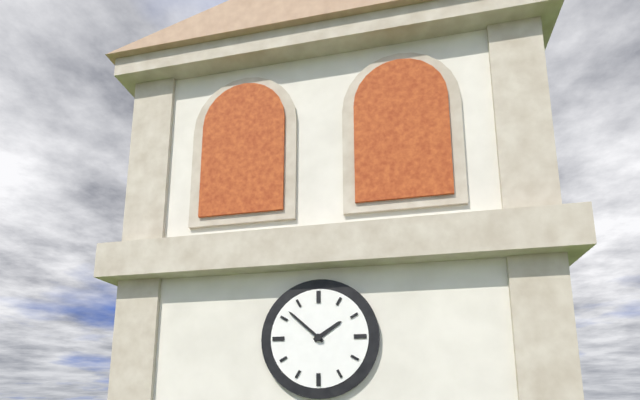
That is h=1 m=52
